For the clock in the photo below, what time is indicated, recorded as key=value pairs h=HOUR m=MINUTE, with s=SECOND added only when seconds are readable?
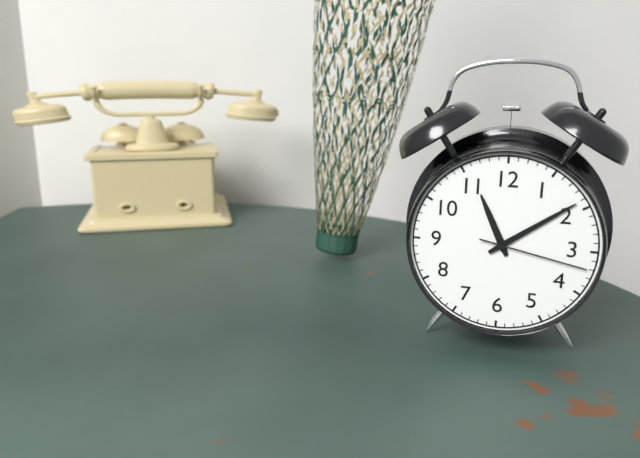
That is h=11 m=9 s=17
